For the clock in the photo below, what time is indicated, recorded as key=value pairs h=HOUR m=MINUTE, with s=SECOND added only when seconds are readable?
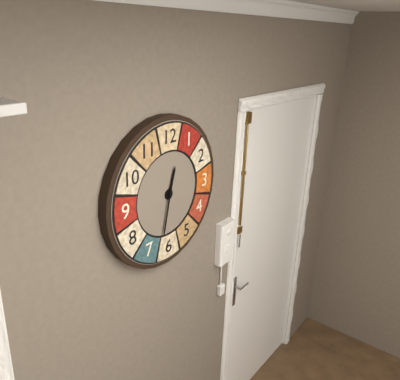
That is h=12 m=32
